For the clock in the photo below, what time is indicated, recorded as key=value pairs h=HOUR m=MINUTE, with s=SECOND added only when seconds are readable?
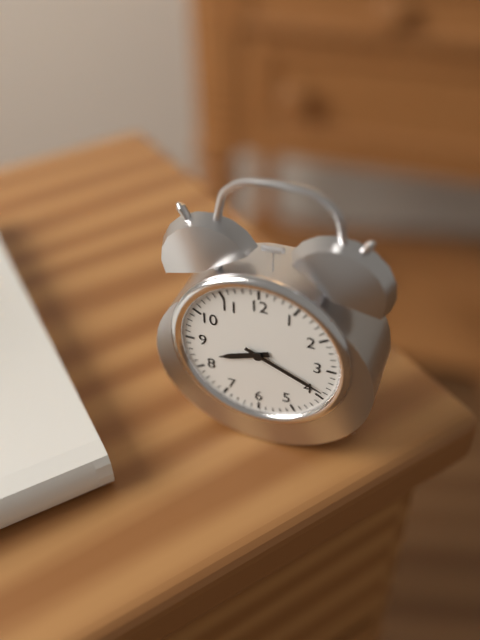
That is h=8 m=19
